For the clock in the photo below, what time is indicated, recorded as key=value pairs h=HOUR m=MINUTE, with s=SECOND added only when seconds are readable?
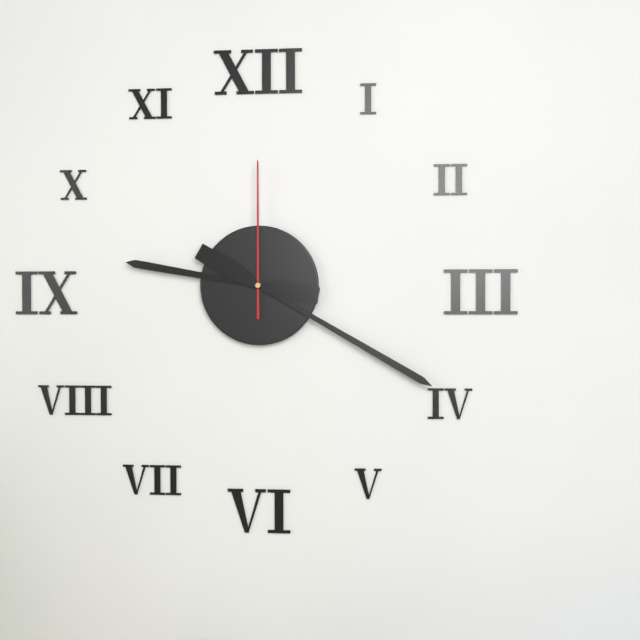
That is h=9 m=20 s=0
